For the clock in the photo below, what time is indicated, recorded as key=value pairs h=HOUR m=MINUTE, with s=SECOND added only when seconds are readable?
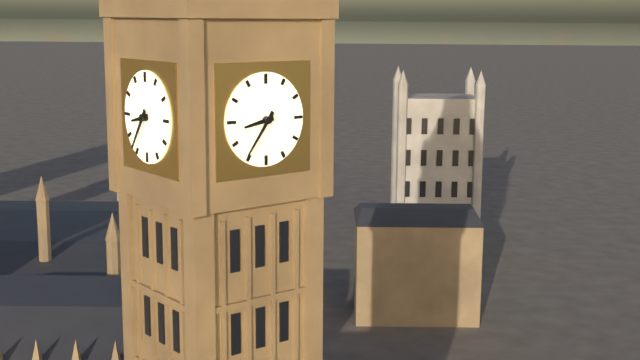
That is h=8 m=36
